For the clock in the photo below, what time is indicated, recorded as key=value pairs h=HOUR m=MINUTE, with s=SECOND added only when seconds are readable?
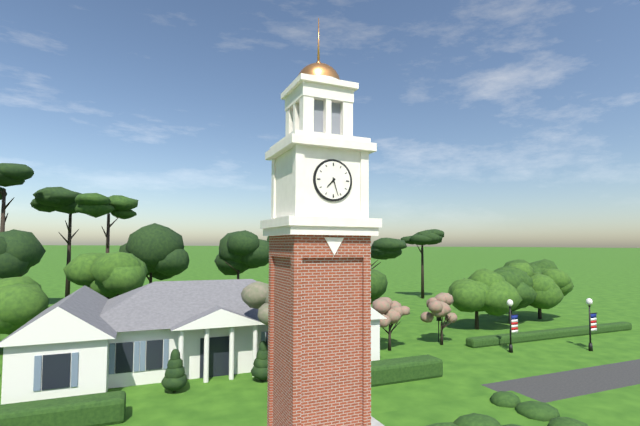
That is h=7 m=27
